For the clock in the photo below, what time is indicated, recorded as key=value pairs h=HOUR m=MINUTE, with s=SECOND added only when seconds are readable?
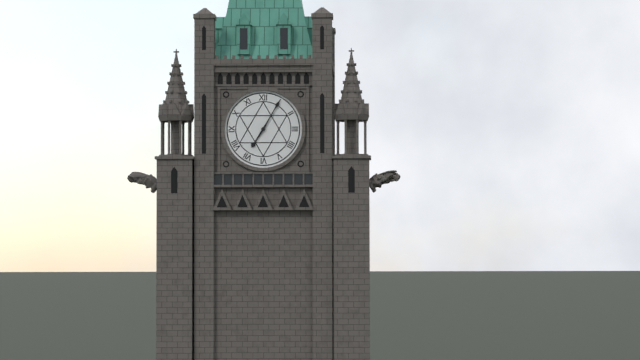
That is h=7 m=5
